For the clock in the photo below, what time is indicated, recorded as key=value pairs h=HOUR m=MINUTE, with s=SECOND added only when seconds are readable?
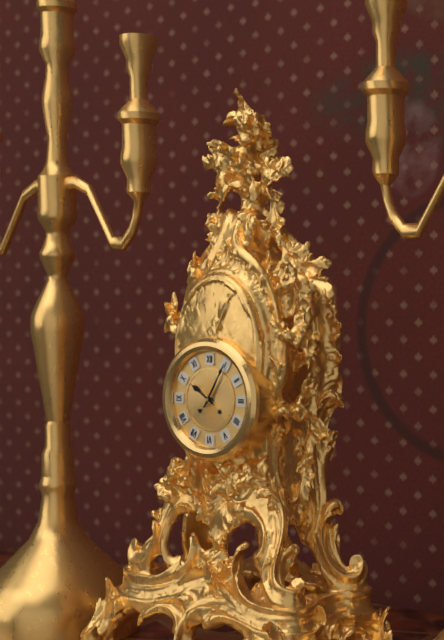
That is h=10 m=5
